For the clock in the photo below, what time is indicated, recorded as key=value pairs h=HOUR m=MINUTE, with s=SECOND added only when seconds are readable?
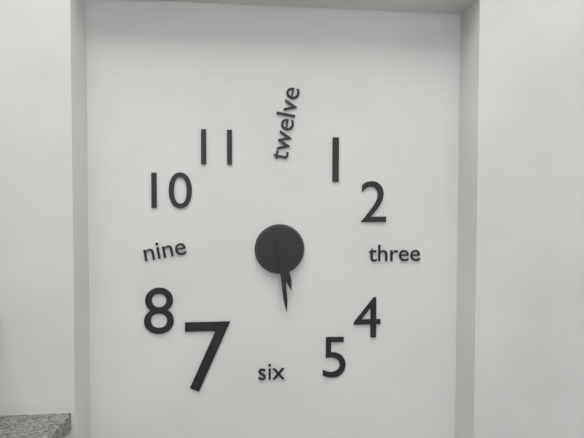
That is h=5 m=29
